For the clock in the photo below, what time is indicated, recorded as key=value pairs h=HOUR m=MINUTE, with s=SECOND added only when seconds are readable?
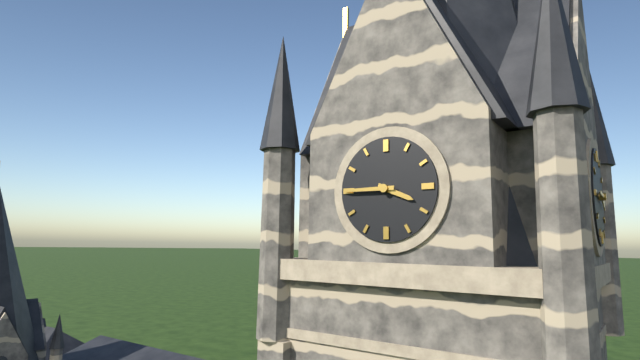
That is h=3 m=45
